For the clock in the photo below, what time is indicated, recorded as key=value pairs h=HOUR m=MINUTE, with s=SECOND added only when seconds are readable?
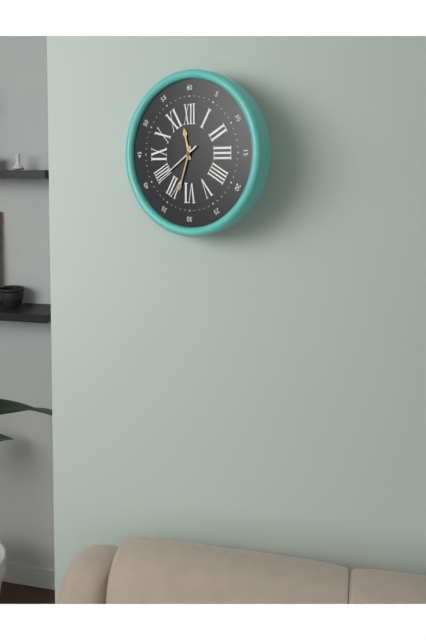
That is h=11 m=33 s=39
